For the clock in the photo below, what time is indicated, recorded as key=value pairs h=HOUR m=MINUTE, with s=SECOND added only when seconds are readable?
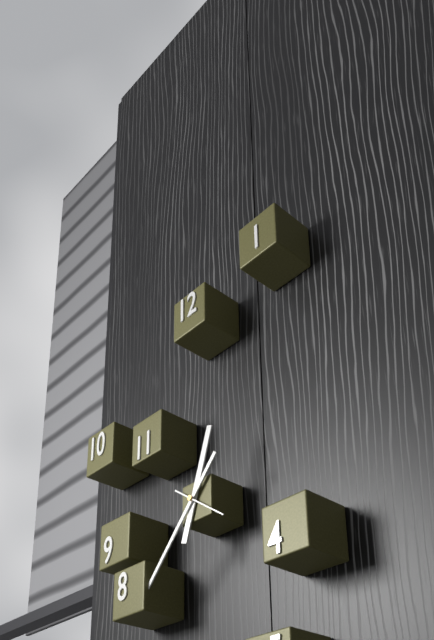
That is h=12 m=37
